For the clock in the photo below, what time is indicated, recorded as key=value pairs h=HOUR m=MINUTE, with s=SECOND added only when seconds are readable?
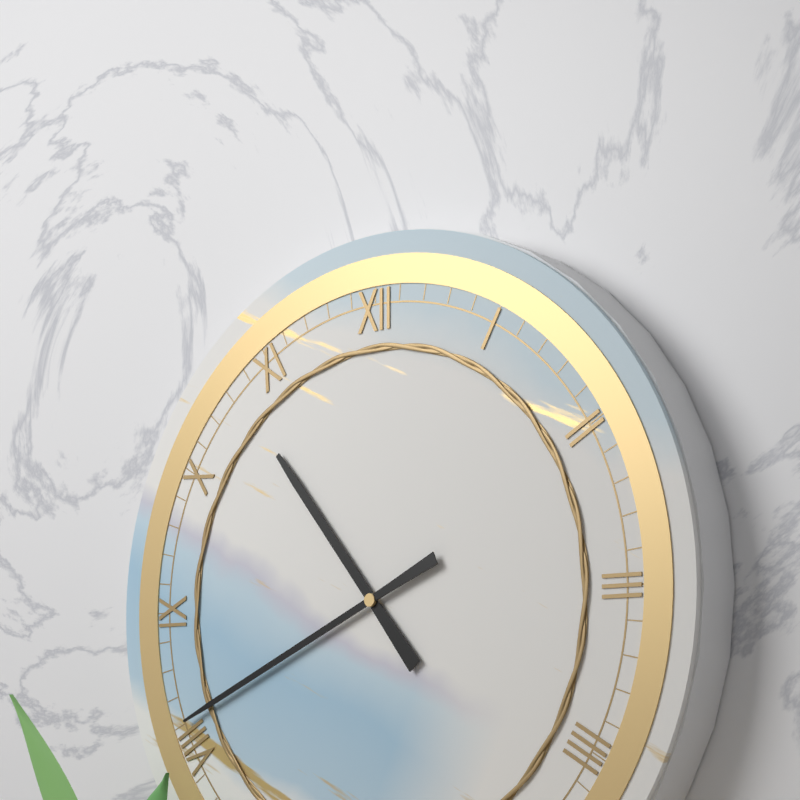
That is h=10 m=41
